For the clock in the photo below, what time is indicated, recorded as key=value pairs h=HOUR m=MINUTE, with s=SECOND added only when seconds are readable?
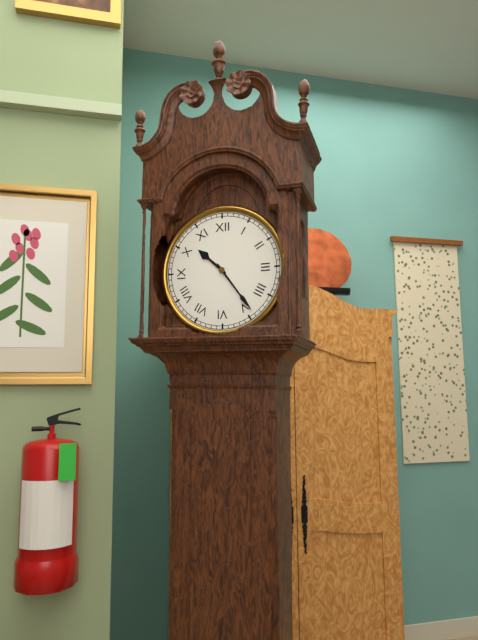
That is h=10 m=24
